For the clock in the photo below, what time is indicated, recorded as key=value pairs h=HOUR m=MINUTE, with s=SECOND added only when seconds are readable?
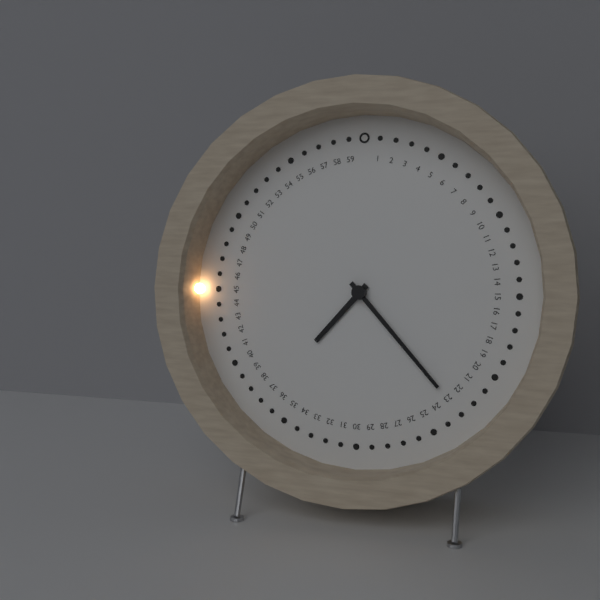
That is h=7 m=23
